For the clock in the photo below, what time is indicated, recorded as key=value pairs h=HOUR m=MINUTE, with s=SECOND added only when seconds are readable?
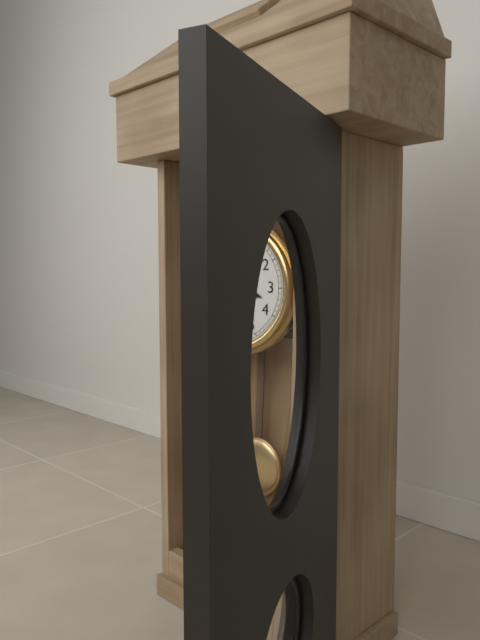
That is h=3 m=31
